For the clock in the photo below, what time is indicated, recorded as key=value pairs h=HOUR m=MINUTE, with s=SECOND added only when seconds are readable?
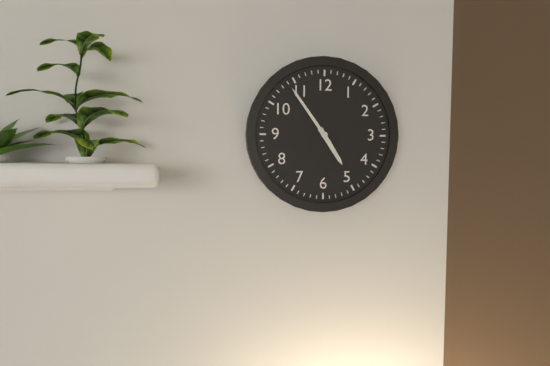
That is h=4 m=54
